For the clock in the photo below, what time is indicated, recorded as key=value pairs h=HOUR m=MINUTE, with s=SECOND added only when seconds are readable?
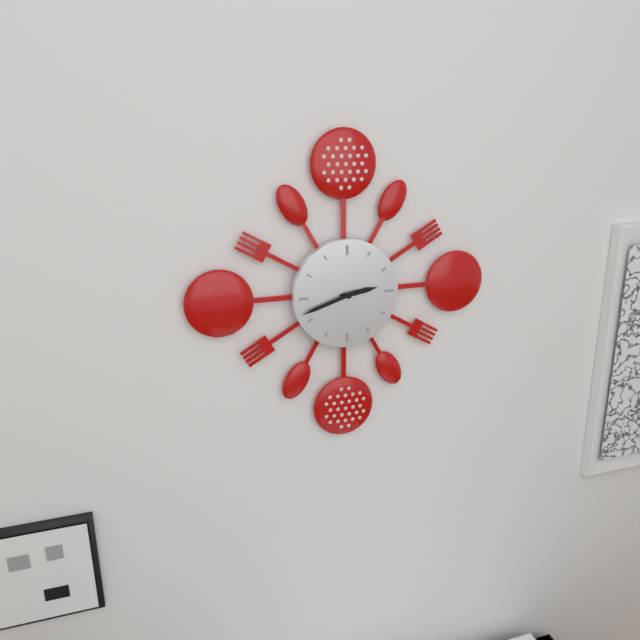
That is h=2 m=42
